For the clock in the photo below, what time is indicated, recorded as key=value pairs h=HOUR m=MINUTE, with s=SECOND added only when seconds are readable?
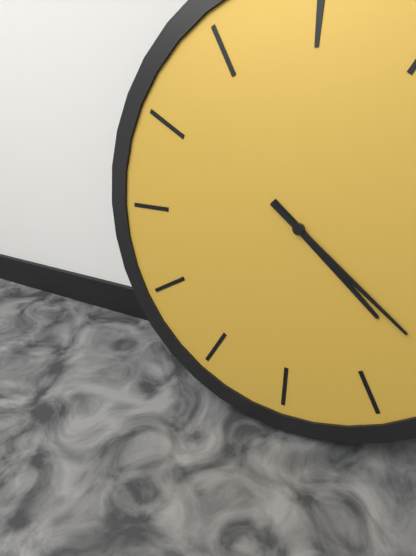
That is h=4 m=21
